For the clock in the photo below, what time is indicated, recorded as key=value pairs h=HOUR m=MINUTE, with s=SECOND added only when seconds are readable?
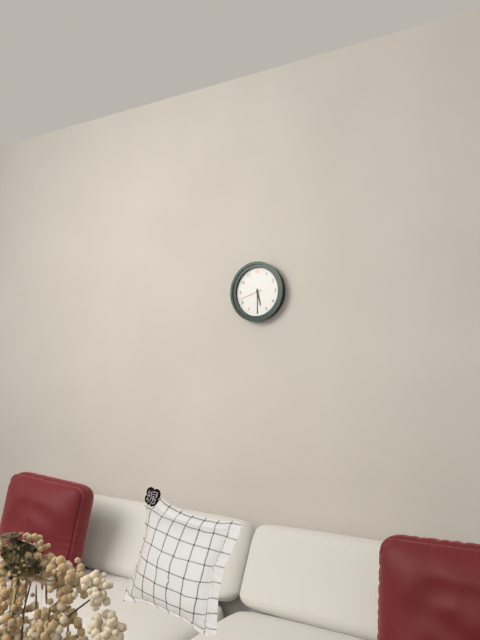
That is h=5 m=30
